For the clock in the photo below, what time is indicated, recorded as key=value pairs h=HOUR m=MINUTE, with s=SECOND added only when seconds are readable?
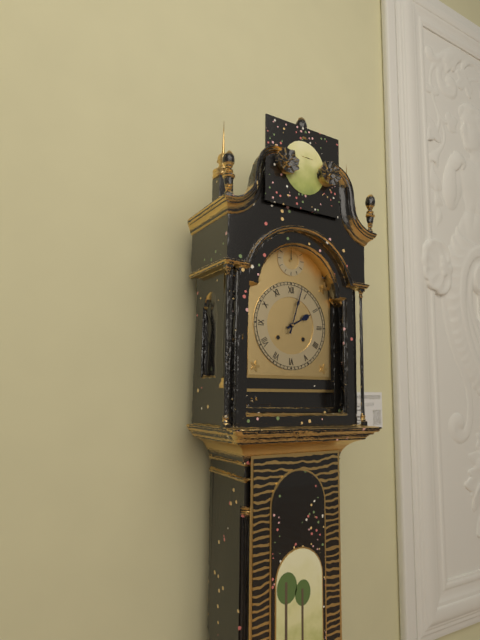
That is h=2 m=3
